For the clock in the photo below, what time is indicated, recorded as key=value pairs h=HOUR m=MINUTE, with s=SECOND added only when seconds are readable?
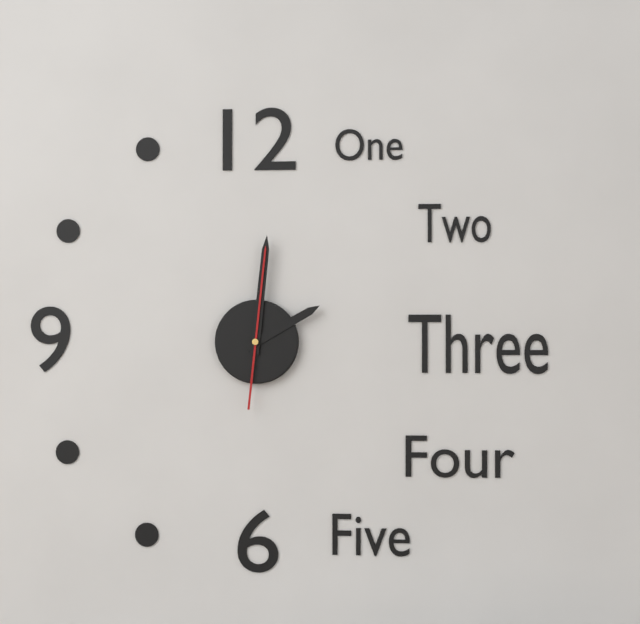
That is h=2 m=1 s=1
